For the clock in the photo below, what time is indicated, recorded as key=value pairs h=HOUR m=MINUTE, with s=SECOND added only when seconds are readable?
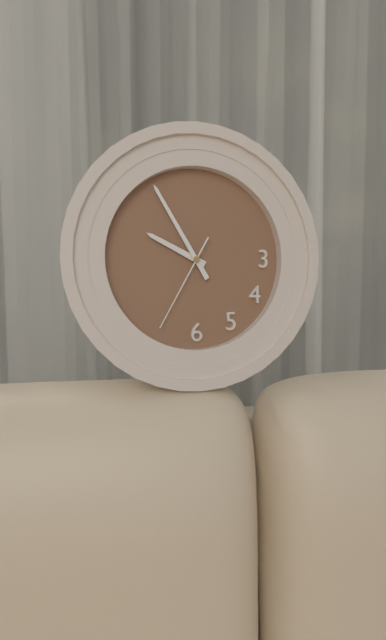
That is h=9 m=55 s=35
